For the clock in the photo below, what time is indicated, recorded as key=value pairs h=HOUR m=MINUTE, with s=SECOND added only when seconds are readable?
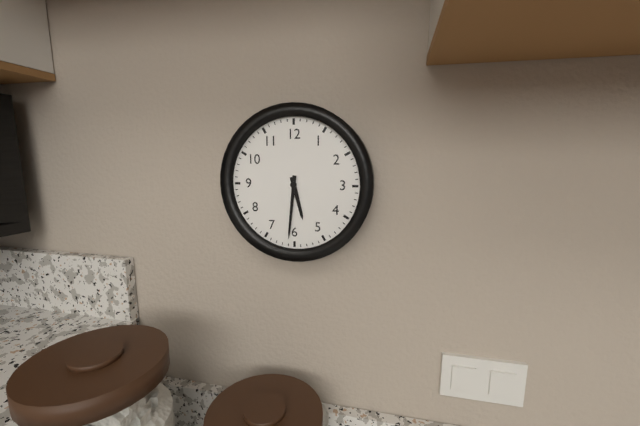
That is h=5 m=31
